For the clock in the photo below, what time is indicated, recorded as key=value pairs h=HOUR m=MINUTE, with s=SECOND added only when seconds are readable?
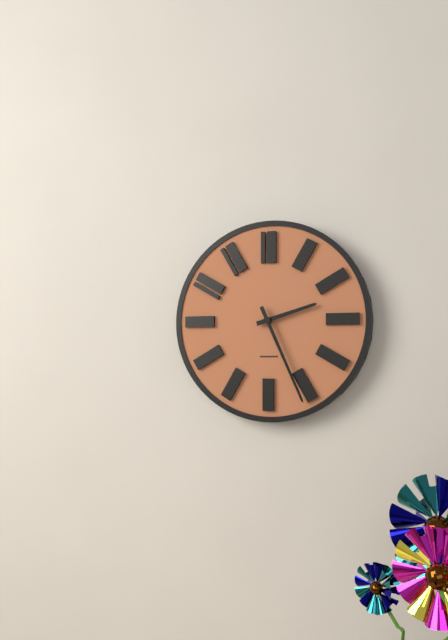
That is h=2 m=26
